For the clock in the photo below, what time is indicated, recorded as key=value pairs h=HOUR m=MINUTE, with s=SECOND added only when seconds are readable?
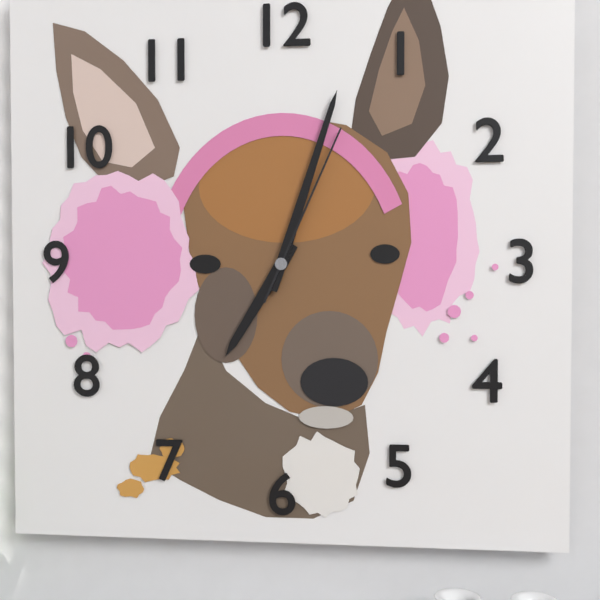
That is h=7 m=3 s=4
